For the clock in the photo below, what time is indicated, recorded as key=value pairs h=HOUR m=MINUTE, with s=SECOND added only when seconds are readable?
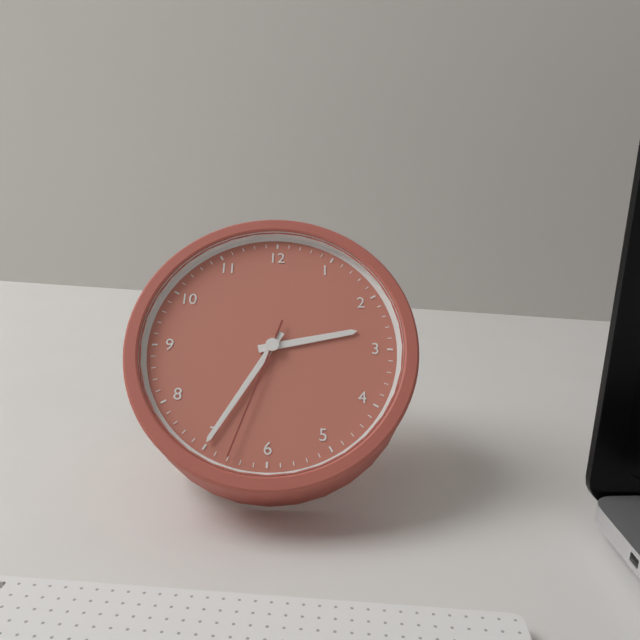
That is h=2 m=35 s=33
